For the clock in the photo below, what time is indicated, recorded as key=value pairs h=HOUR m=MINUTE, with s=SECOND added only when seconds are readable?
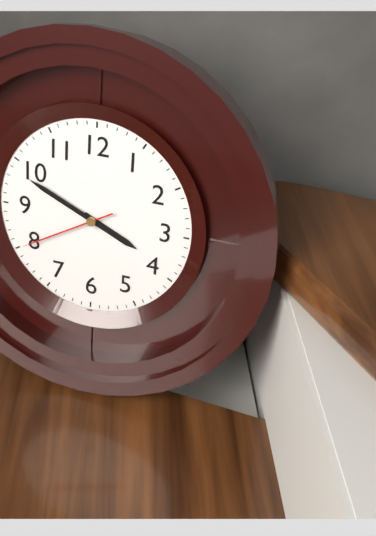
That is h=3 m=49 s=40
